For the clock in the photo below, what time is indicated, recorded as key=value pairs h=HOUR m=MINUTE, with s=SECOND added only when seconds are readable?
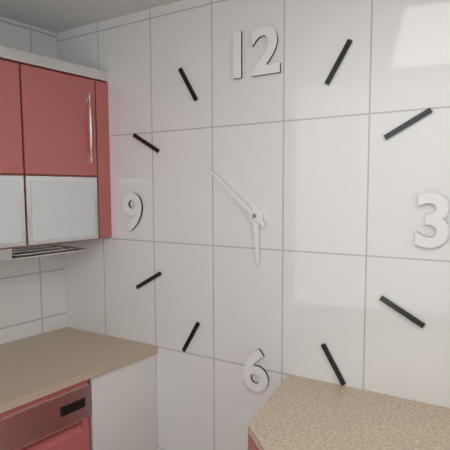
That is h=5 m=52
